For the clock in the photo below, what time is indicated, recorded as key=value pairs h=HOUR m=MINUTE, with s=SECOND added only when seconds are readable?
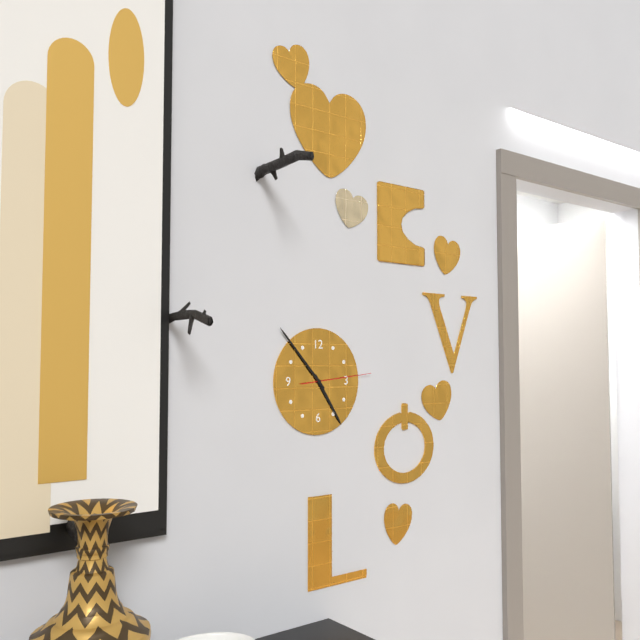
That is h=4 m=53 s=14
